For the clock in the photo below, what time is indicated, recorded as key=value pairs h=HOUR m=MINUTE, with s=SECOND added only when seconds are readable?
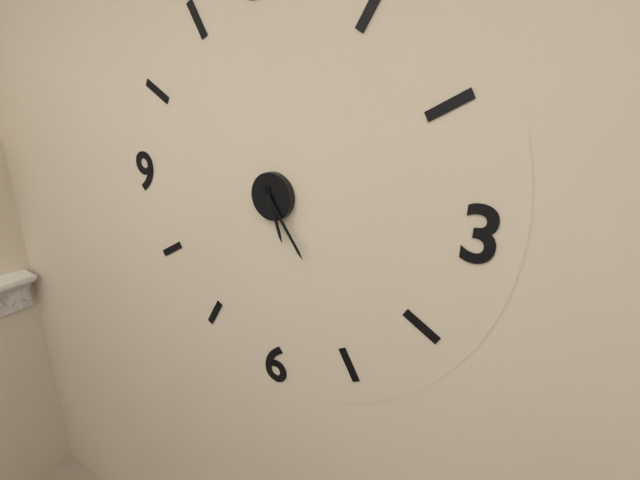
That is h=5 m=24
